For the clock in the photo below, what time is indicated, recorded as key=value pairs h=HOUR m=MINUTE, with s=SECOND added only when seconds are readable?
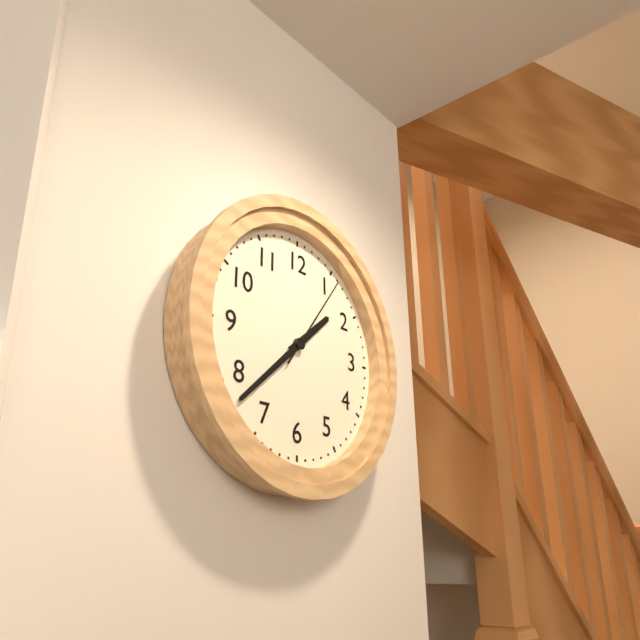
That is h=1 m=38 s=6
